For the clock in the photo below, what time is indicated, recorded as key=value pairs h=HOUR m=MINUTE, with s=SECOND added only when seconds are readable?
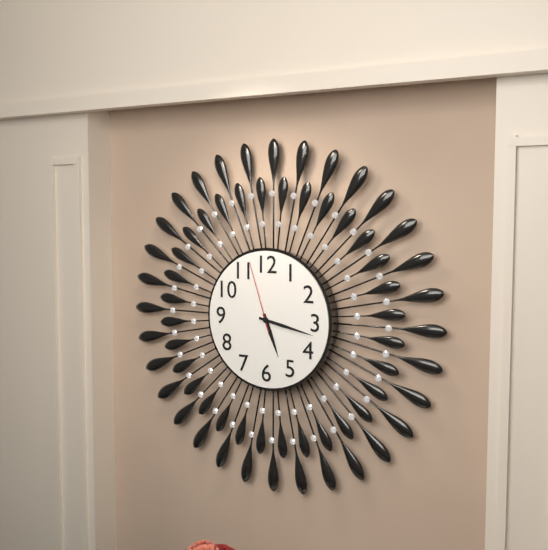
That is h=5 m=17 s=57
